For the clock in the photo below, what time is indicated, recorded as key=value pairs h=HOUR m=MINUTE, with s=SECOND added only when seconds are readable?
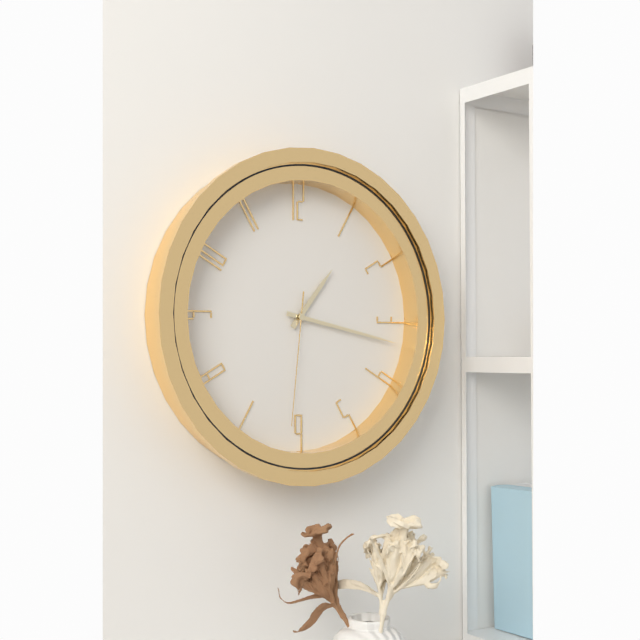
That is h=1 m=17 s=31
